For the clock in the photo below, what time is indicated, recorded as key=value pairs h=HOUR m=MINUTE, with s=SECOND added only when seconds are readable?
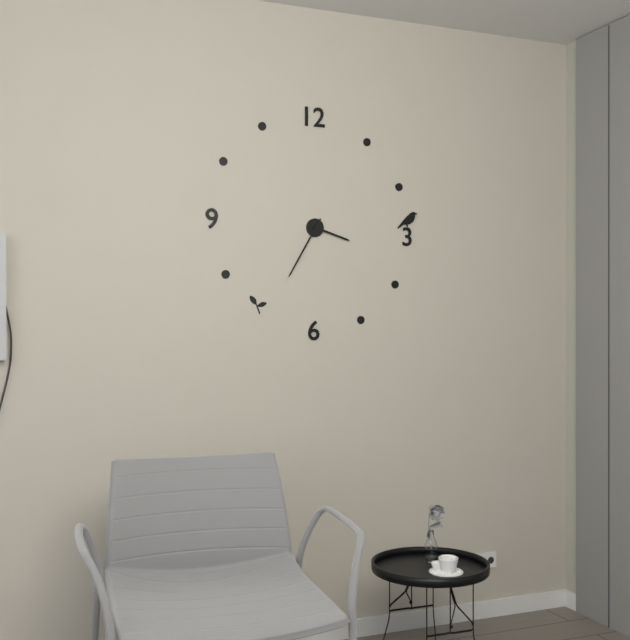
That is h=3 m=35
